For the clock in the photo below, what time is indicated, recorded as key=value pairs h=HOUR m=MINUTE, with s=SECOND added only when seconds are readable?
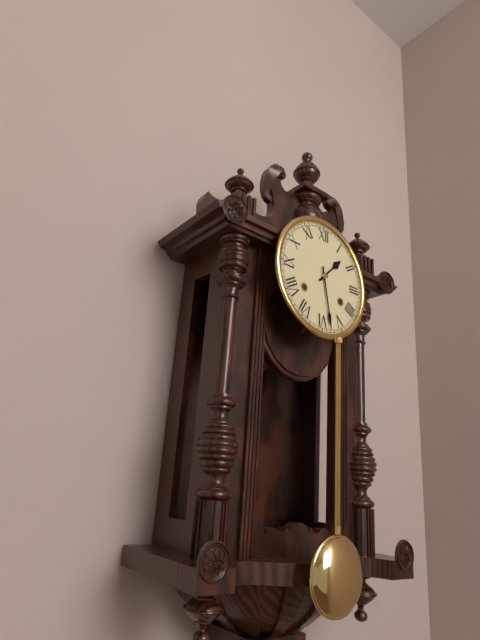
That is h=1 m=28
